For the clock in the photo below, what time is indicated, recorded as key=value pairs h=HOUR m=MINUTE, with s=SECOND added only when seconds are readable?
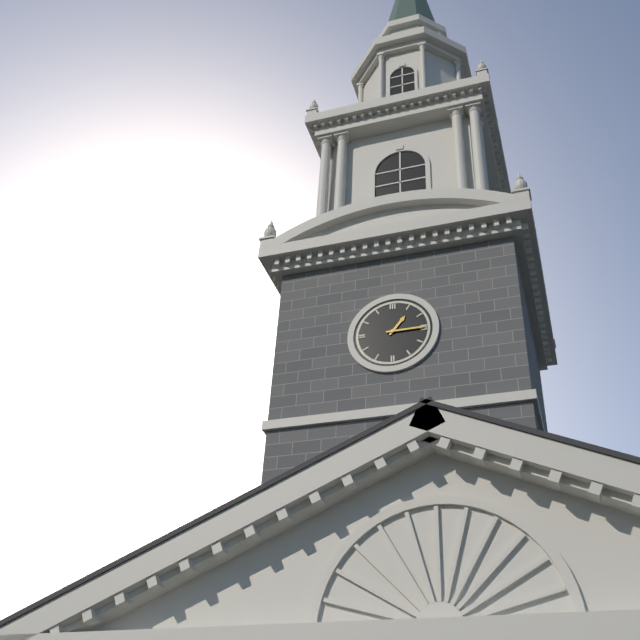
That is h=1 m=15
